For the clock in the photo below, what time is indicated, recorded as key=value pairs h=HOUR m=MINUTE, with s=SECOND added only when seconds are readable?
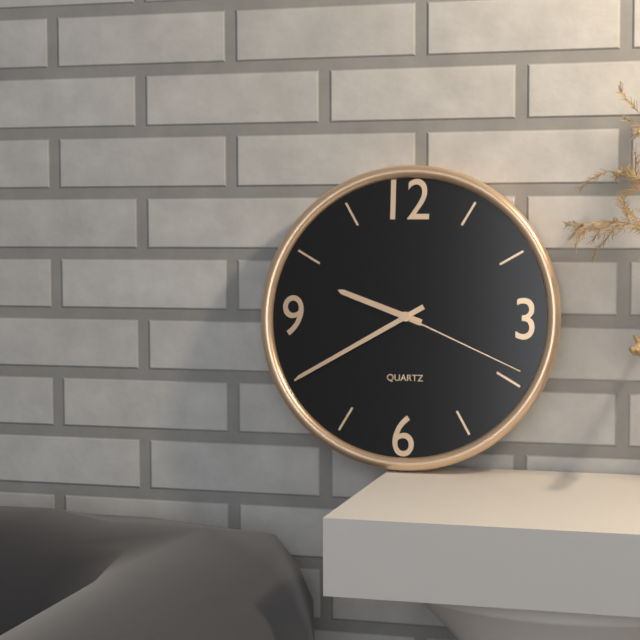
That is h=9 m=40 s=19
